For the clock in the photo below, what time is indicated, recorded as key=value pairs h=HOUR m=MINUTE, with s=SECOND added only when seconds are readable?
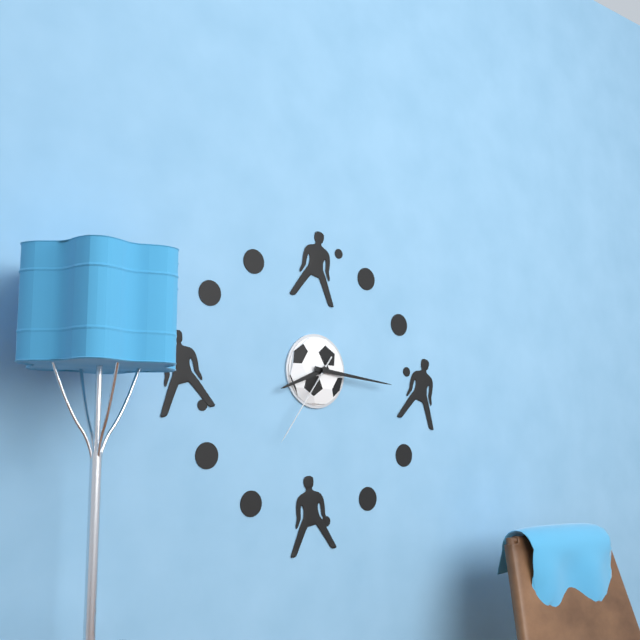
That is h=8 m=16 s=36
